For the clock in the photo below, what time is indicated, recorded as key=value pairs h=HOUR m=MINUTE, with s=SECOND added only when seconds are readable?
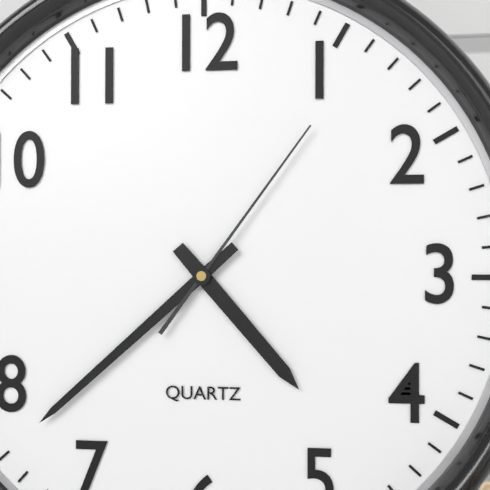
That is h=4 m=38 s=6
